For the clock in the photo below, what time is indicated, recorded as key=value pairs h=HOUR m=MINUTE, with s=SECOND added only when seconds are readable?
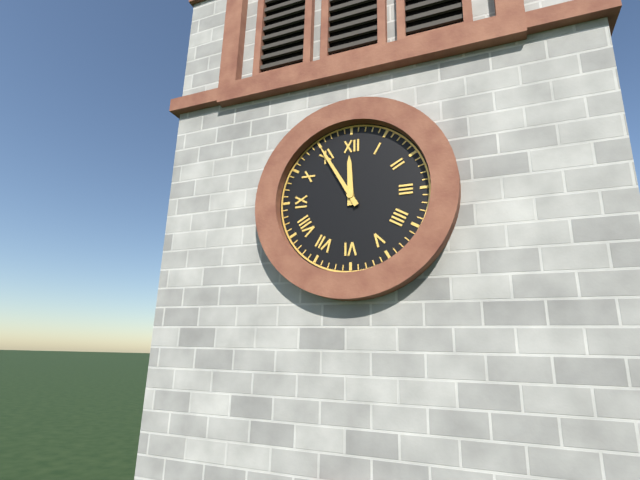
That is h=11 m=55
